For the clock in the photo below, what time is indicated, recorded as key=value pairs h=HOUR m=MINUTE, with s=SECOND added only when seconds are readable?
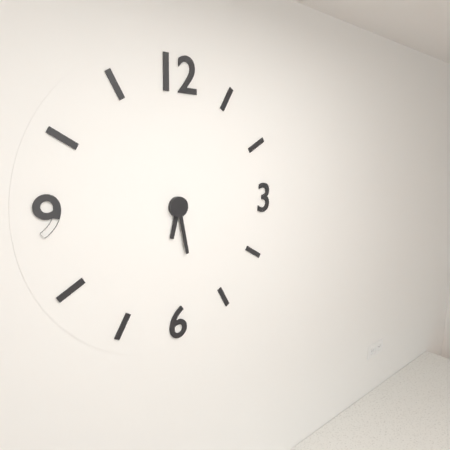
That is h=6 m=28
